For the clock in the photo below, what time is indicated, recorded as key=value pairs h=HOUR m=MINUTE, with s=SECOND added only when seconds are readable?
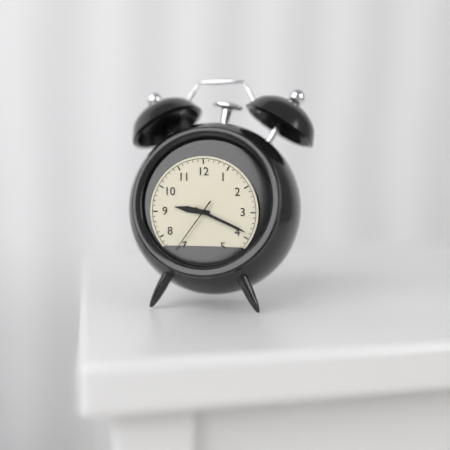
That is h=9 m=19 s=36
